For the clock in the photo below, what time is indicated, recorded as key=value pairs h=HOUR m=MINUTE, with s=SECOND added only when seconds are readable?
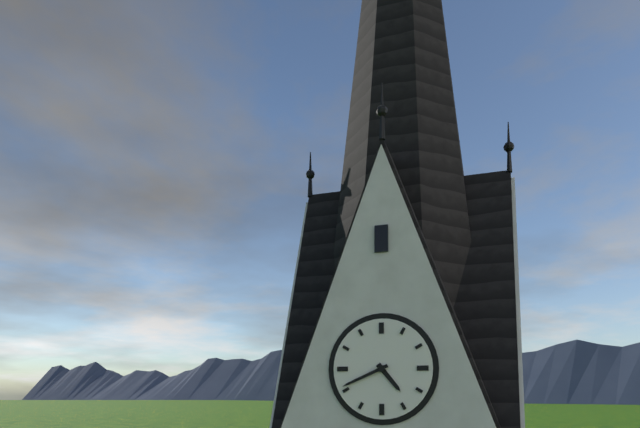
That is h=4 m=41
